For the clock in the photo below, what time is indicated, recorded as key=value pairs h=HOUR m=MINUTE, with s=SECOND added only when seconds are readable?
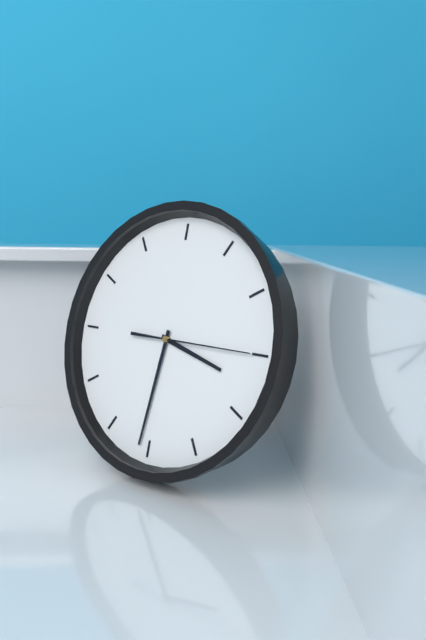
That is h=3 m=31 s=15
